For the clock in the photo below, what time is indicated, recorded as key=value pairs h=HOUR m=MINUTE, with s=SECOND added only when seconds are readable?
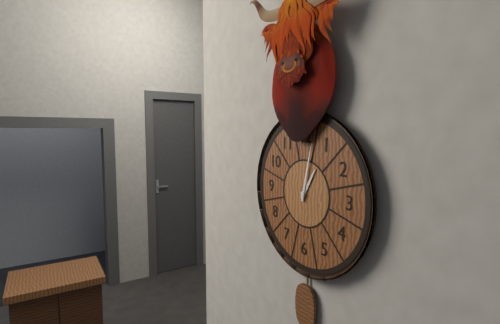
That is h=1 m=2
